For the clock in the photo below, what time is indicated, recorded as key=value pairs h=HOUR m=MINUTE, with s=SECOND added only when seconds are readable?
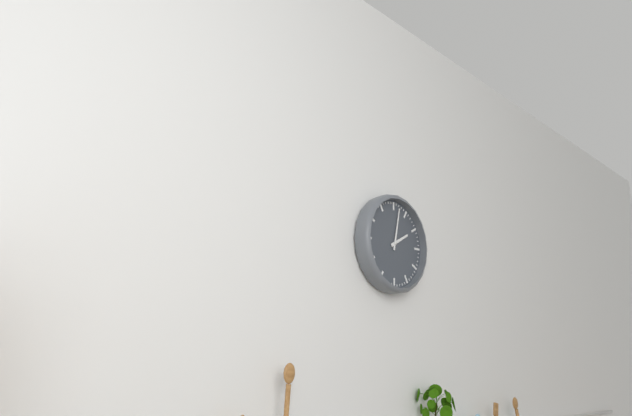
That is h=2 m=2
